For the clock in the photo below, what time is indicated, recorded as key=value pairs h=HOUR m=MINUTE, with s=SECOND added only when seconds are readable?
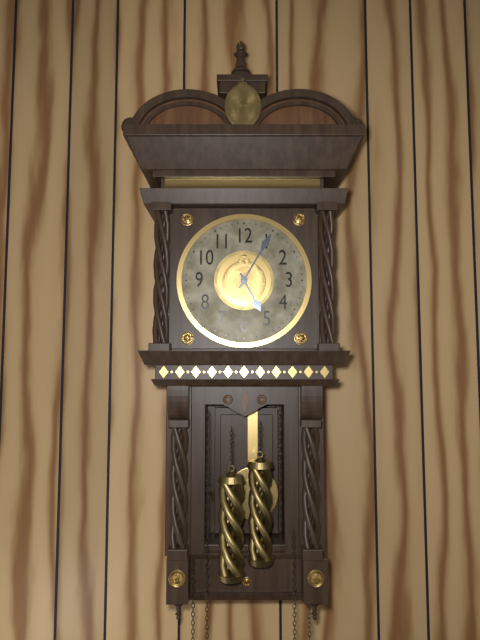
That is h=5 m=5
